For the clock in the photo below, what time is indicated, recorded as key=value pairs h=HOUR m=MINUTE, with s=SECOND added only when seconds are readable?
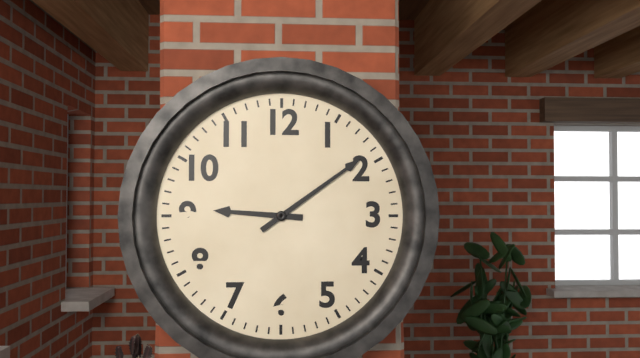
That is h=9 m=9
